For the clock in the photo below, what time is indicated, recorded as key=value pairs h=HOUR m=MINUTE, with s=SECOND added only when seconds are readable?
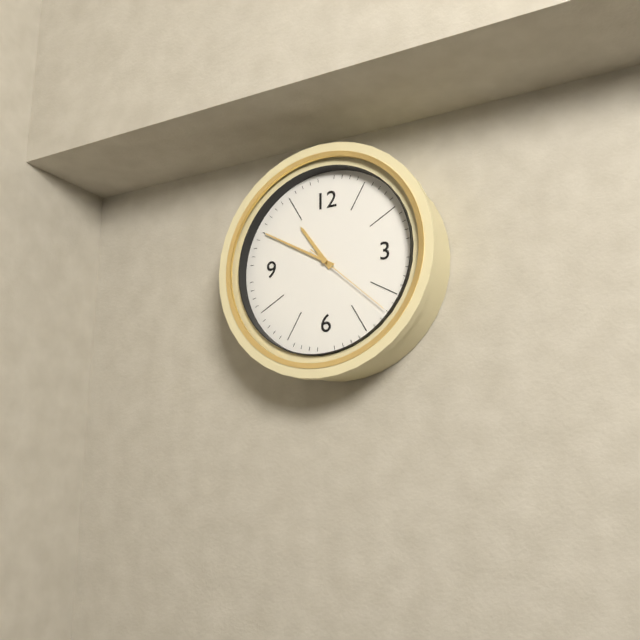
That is h=10 m=50 s=22
